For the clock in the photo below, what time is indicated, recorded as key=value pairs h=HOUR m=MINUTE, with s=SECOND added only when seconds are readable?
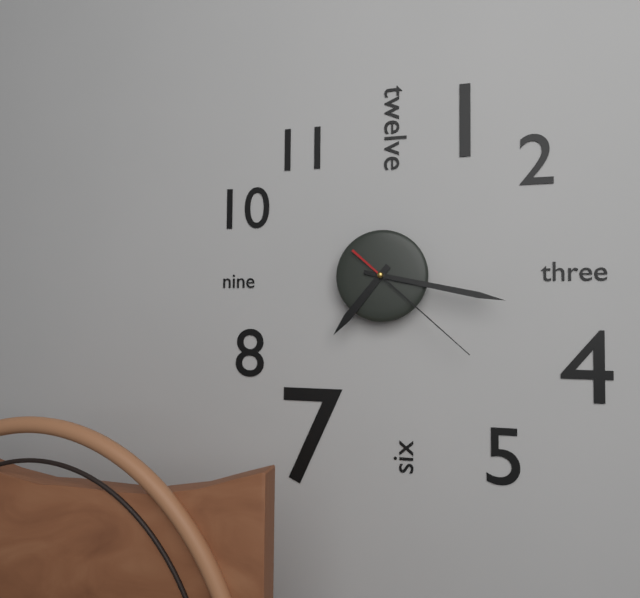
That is h=7 m=17 s=22
